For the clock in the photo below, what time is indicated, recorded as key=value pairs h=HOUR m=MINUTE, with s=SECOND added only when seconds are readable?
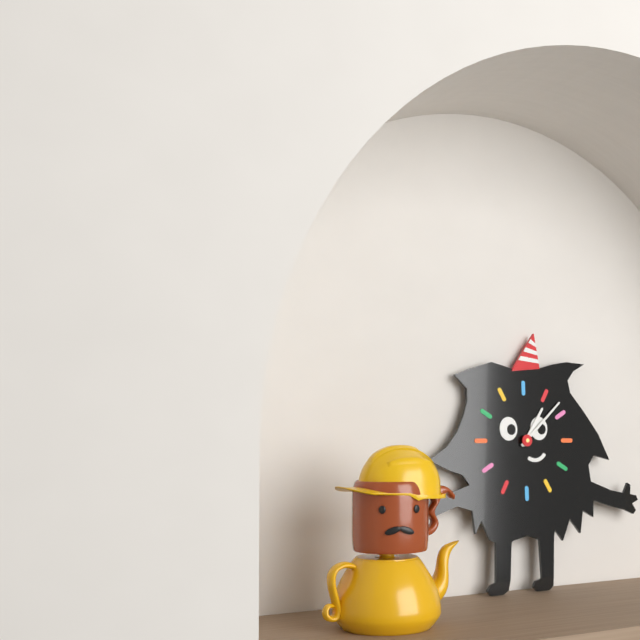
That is h=1 m=8
